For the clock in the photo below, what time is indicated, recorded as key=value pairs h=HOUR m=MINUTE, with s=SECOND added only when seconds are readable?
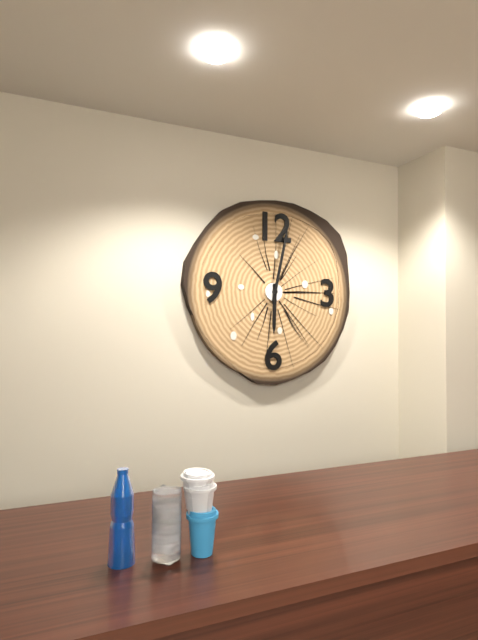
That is h=6 m=2
